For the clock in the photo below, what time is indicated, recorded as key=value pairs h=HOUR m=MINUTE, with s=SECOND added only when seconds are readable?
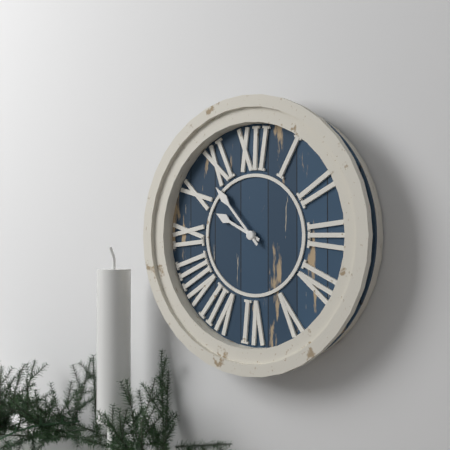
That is h=9 m=53
